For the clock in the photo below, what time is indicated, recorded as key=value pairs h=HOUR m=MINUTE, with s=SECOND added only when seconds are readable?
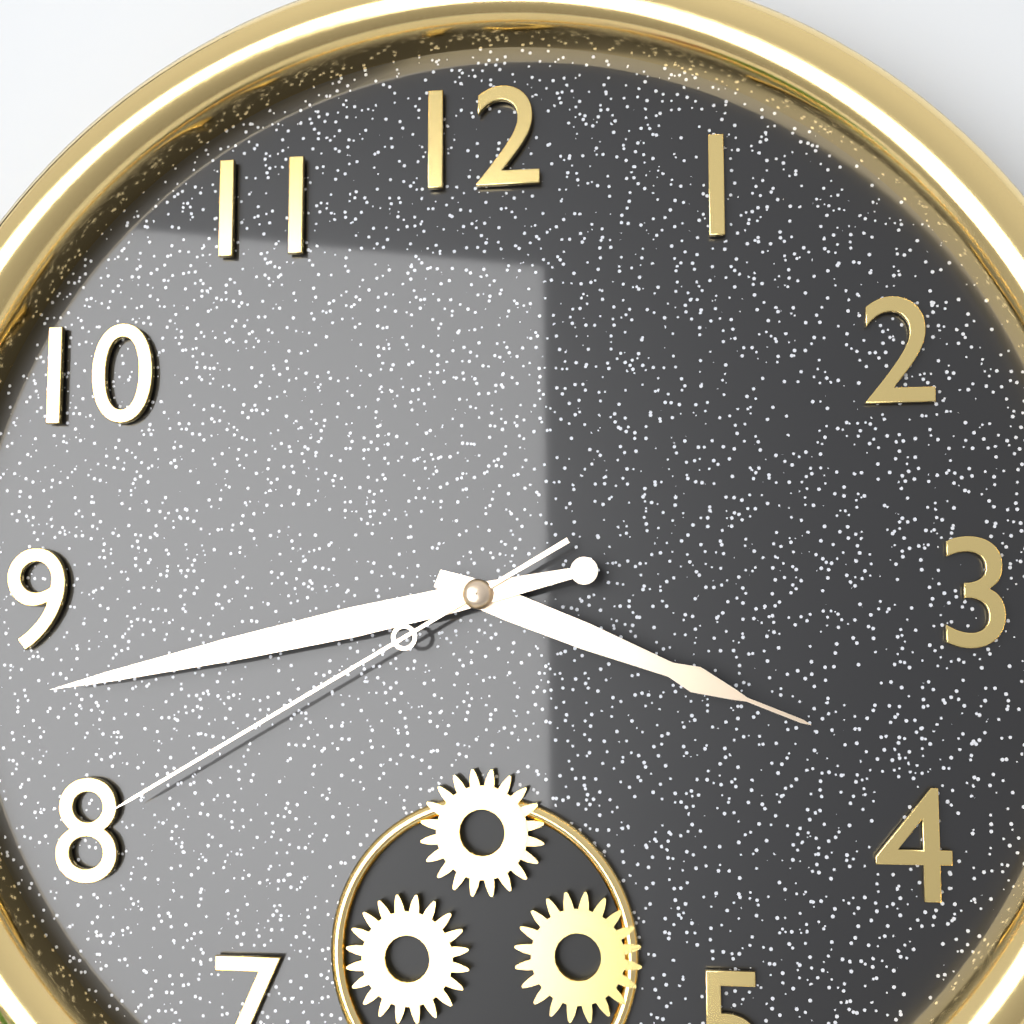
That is h=3 m=43 s=40
